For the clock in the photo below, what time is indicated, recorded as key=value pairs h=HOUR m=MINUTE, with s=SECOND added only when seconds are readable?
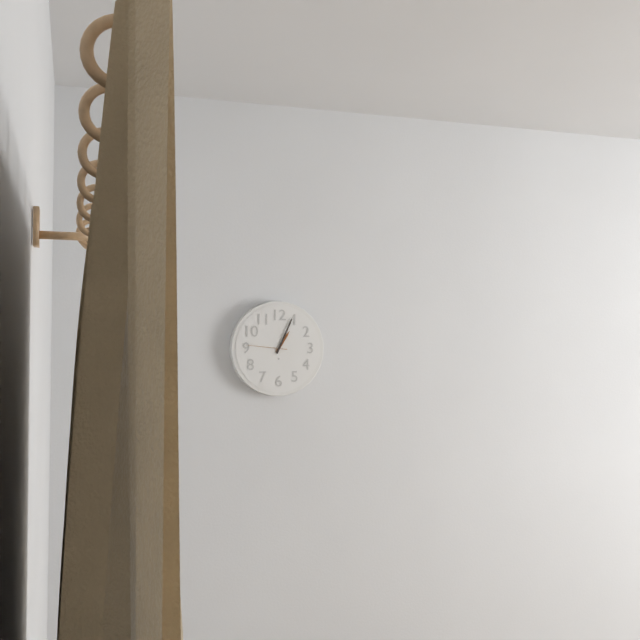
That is h=1 m=4
